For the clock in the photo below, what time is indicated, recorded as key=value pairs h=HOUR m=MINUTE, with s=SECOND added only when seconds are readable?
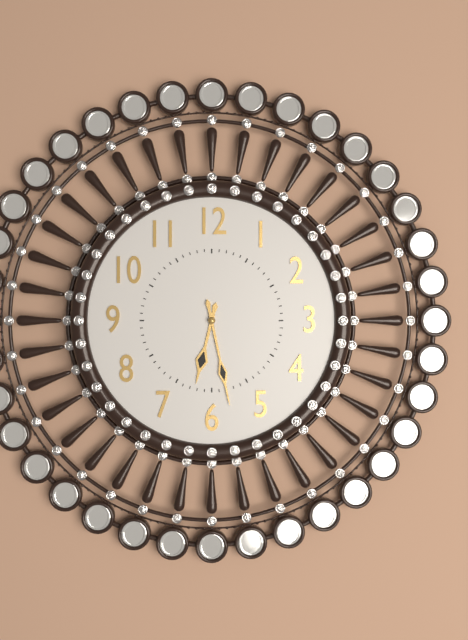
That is h=6 m=28
